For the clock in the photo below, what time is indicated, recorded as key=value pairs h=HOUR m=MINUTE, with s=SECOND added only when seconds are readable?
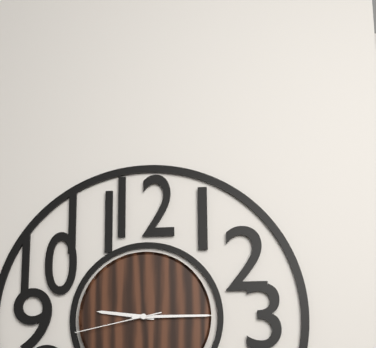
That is h=9 m=15 s=43
